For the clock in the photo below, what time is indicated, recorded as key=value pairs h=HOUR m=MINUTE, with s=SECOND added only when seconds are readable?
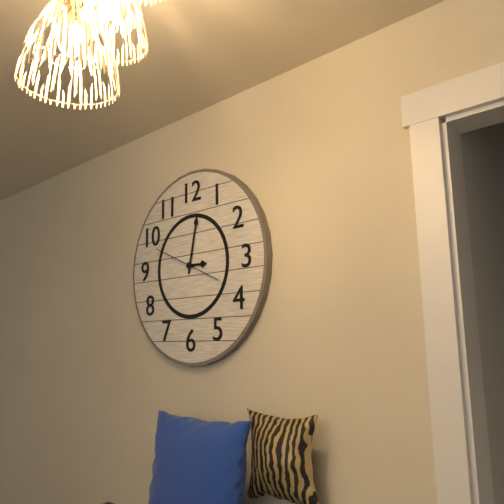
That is h=3 m=2
